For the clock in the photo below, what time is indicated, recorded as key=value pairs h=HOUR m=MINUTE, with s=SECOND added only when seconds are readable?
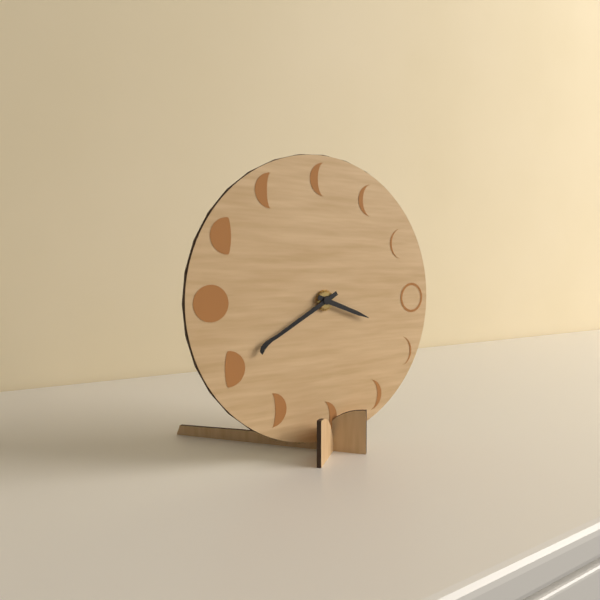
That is h=3 m=40
